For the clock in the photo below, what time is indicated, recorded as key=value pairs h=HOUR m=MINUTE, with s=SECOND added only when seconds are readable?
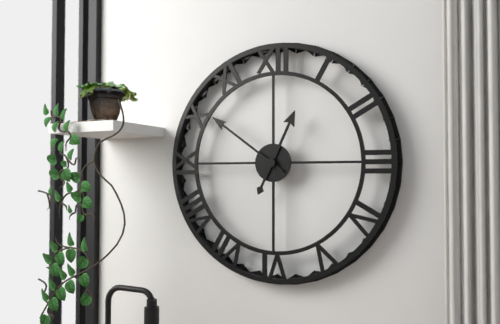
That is h=12 m=51
